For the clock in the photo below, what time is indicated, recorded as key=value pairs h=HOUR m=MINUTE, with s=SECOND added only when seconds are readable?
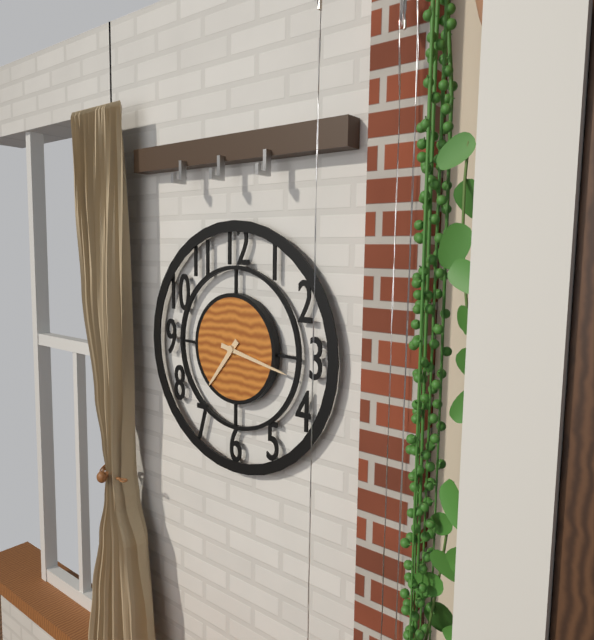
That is h=7 m=17
